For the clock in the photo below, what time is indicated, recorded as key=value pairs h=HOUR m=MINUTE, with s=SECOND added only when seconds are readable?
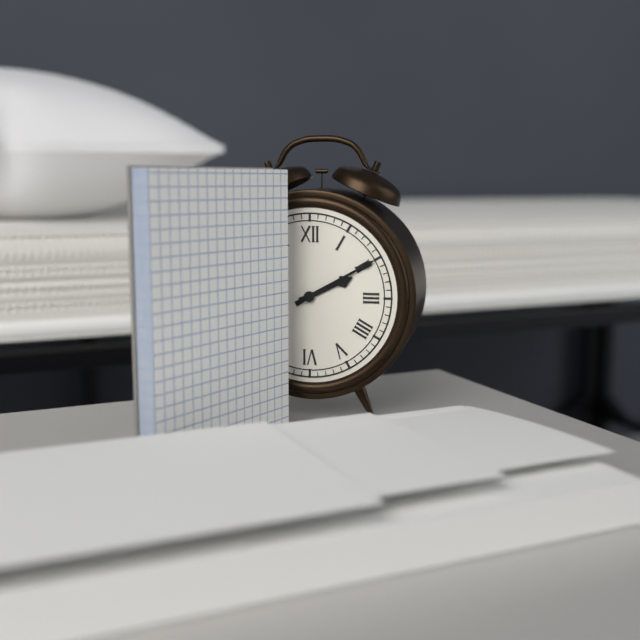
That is h=2 m=10
